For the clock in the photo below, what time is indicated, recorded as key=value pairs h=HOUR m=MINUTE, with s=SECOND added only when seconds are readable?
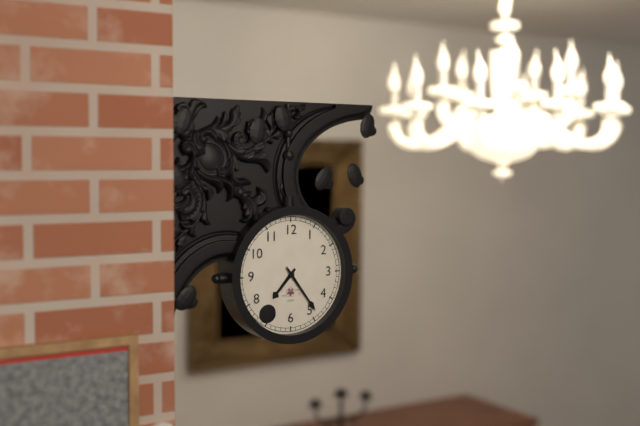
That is h=7 m=24
